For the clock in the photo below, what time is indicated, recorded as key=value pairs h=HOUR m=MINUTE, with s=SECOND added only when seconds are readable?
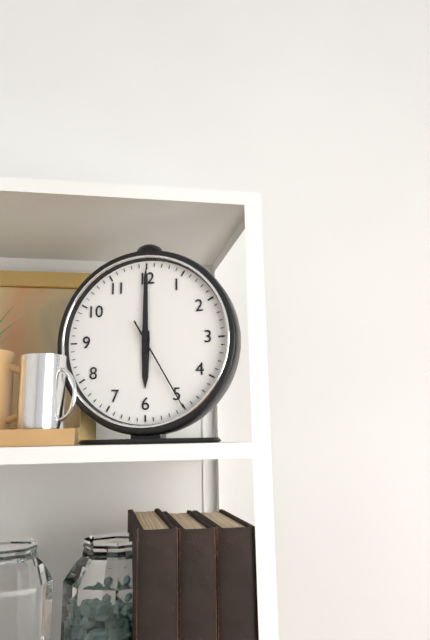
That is h=6 m=0 s=25
